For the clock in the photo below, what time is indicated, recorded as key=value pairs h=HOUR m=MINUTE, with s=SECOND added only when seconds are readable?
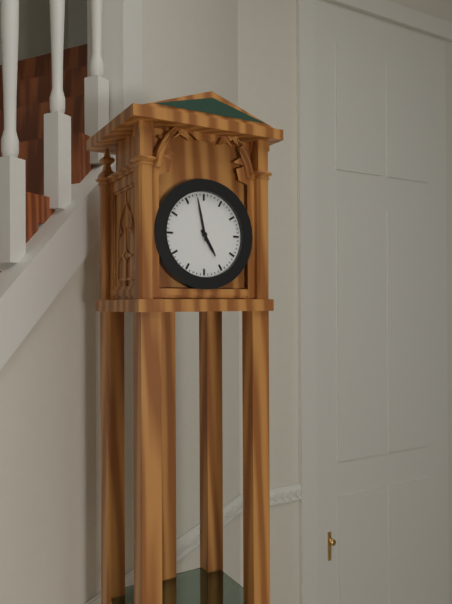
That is h=4 m=58
